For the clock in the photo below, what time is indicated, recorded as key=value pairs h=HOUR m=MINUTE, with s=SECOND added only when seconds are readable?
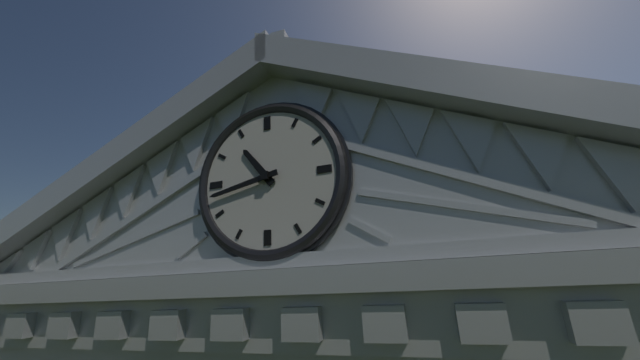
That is h=10 m=43
